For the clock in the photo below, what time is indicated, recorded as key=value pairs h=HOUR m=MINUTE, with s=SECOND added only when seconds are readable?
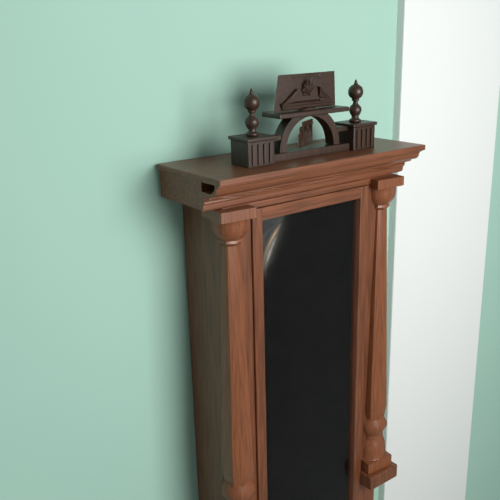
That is h=2 m=57
